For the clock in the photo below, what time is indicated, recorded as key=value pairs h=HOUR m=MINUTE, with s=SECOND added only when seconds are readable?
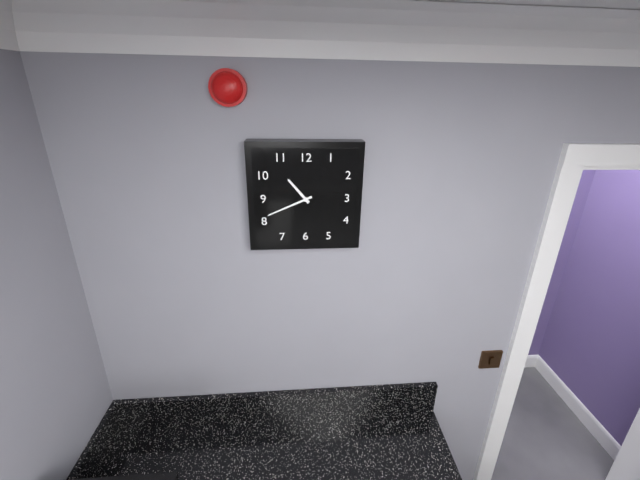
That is h=10 m=41
